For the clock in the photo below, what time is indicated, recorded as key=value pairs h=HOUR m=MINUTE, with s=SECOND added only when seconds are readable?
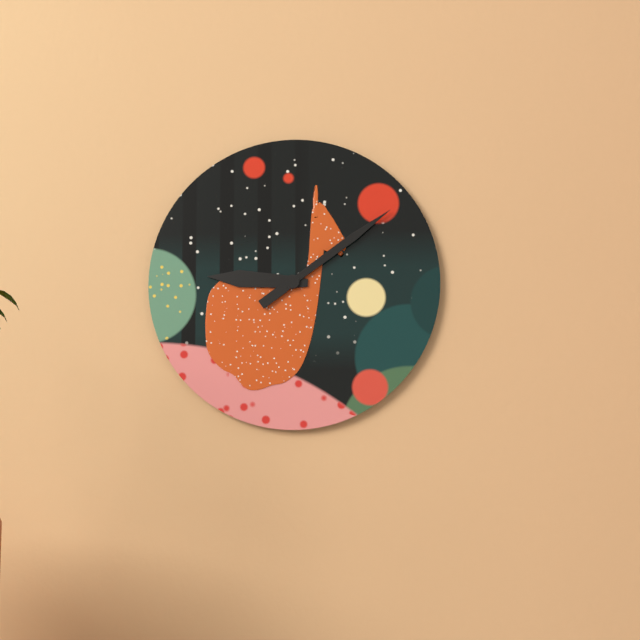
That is h=9 m=9
